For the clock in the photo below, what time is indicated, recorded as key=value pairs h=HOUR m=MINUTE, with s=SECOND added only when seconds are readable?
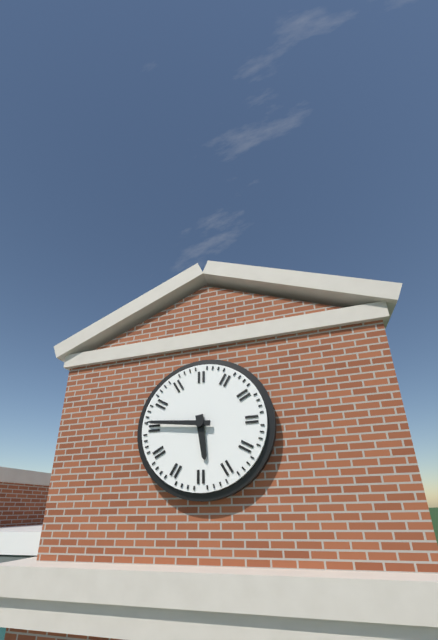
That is h=5 m=46
